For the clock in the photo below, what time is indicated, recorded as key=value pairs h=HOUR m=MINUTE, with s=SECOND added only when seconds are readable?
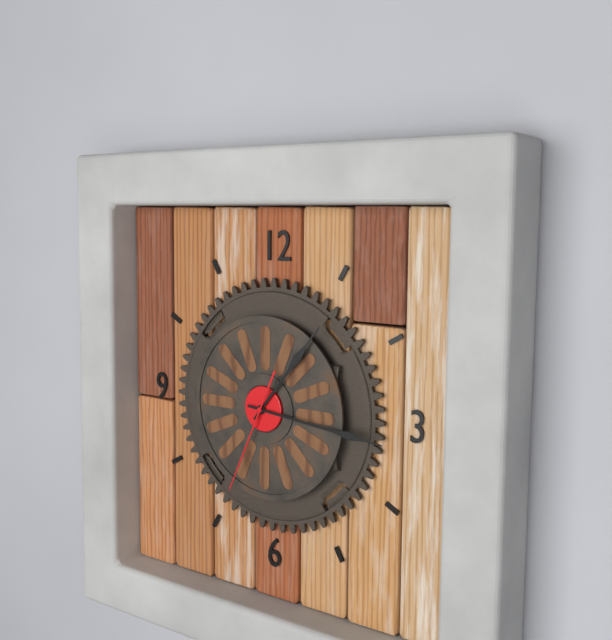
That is h=1 m=16 s=34
